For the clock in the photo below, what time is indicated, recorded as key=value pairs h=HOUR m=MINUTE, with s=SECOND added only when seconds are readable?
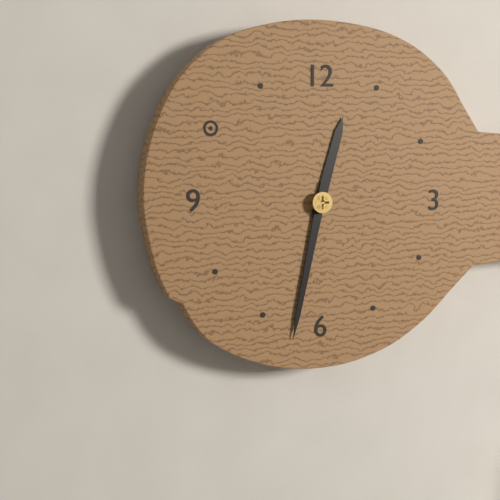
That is h=12 m=32
